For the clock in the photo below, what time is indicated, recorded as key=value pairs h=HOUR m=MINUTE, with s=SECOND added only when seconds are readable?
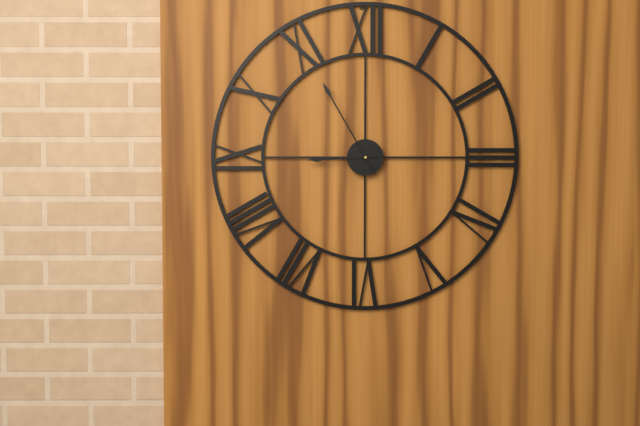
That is h=8 m=55
